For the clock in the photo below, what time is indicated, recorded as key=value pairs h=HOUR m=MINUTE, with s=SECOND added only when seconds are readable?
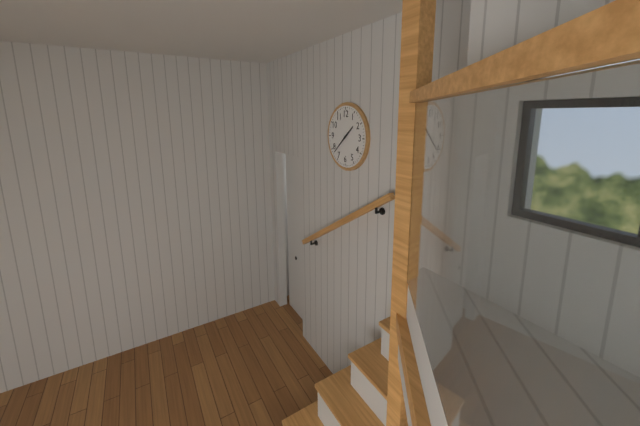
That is h=1 m=38
